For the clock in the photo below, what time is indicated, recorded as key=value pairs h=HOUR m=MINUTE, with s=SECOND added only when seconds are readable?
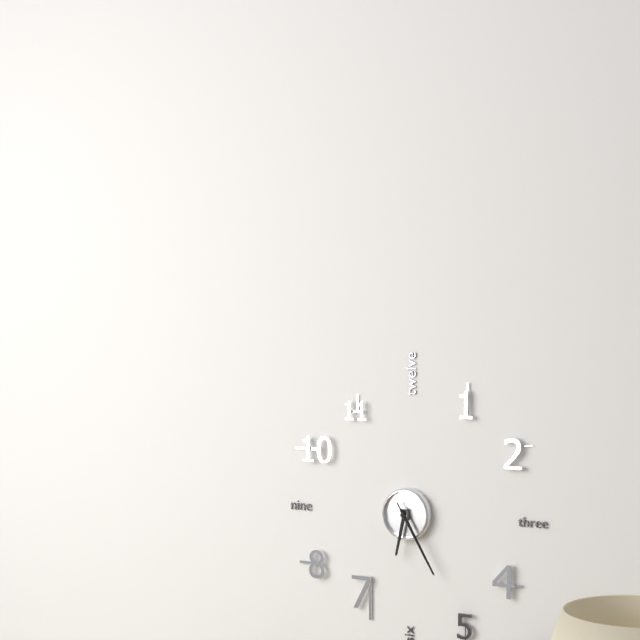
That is h=6 m=25 s=25
